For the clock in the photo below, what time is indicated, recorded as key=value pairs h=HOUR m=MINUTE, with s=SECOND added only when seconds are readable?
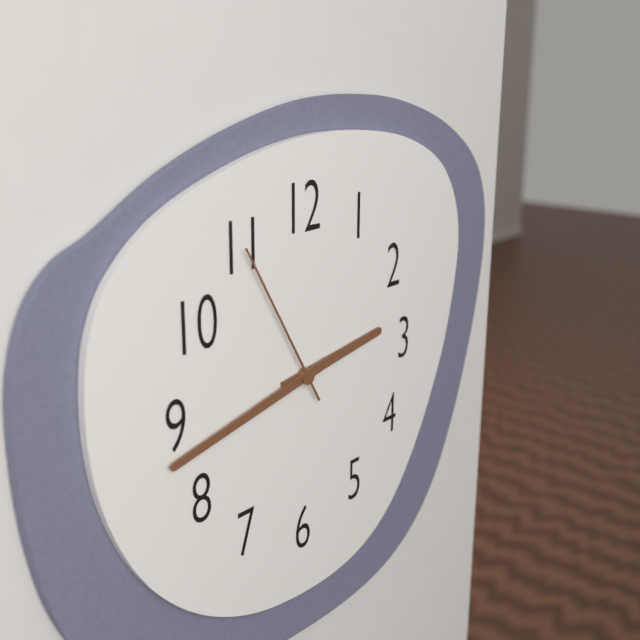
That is h=2 m=43 s=55
